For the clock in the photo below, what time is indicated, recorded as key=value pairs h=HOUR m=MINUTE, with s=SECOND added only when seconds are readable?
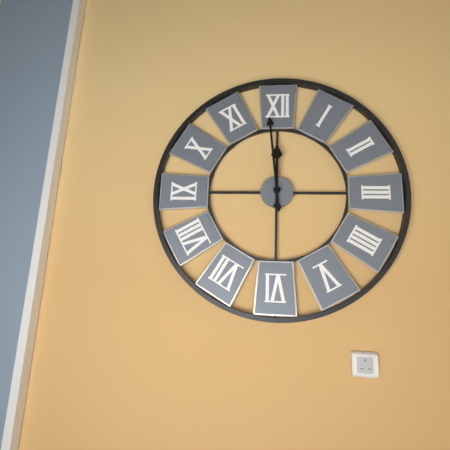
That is h=11 m=59
